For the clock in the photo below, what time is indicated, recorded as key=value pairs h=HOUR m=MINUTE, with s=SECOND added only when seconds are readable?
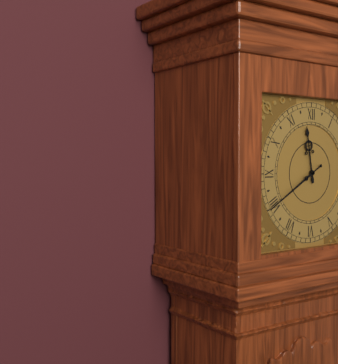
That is h=11 m=40
